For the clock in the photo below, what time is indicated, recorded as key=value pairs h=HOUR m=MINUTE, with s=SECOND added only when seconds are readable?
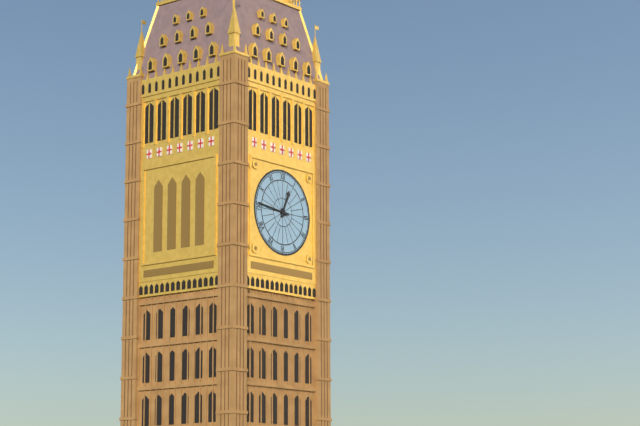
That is h=12 m=46
